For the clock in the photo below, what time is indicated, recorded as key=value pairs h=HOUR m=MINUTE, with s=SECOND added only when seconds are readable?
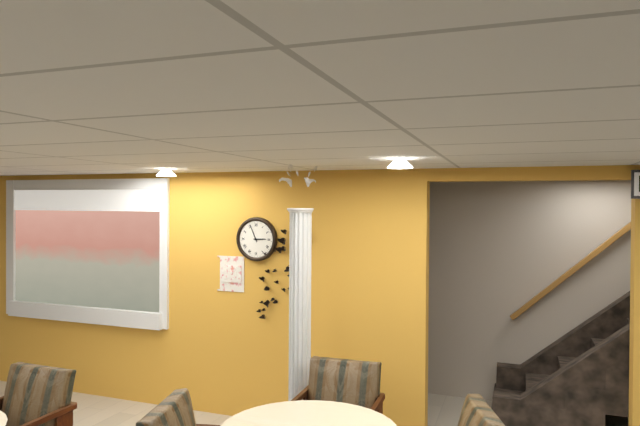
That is h=2 m=56
